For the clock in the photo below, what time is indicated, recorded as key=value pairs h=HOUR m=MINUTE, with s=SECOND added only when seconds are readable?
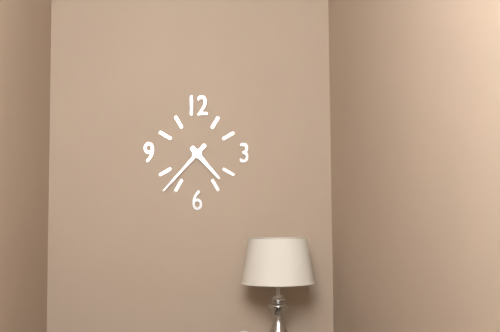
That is h=4 m=37
